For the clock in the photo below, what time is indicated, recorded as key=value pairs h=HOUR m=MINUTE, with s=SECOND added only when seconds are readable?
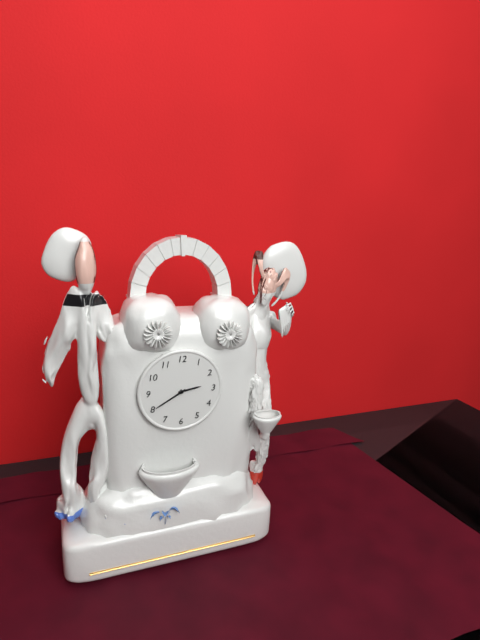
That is h=2 m=40
